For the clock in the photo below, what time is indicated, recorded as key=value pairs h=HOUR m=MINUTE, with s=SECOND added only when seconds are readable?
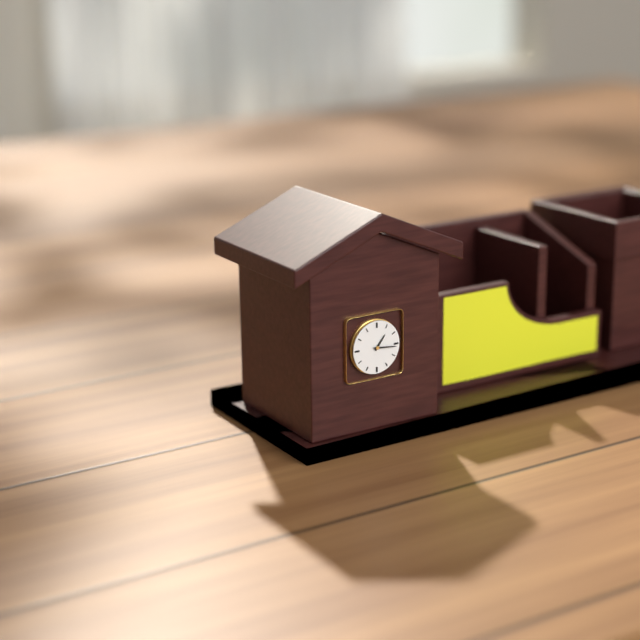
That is h=1 m=16
